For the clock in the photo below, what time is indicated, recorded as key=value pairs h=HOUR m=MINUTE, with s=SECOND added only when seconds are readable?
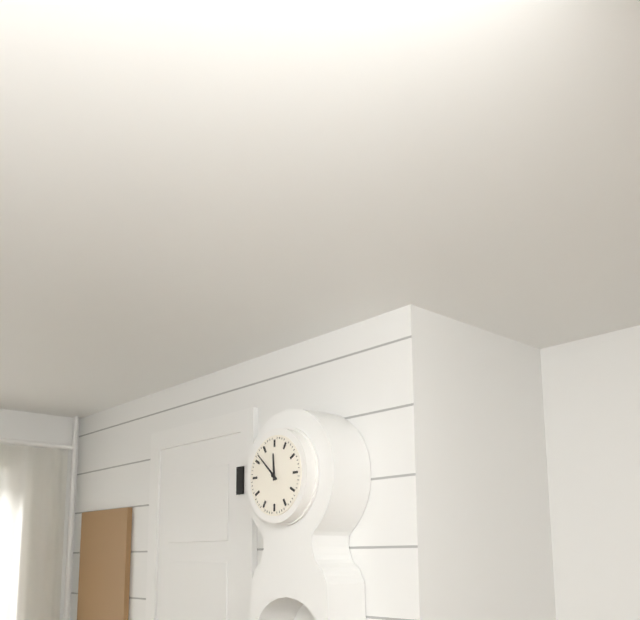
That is h=11 m=52
